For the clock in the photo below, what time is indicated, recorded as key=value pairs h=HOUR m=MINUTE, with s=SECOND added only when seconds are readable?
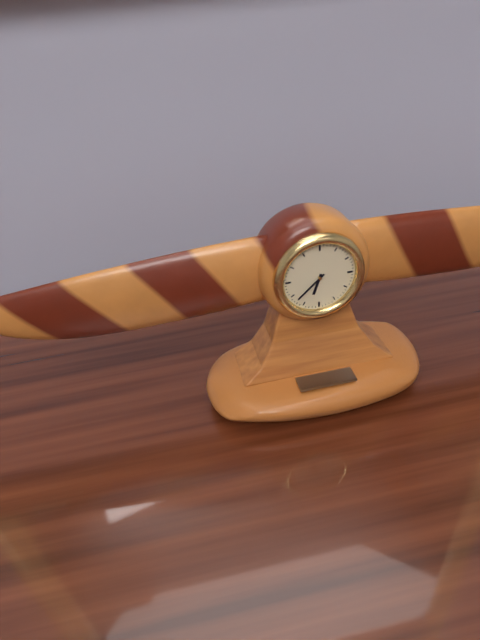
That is h=6 m=38
